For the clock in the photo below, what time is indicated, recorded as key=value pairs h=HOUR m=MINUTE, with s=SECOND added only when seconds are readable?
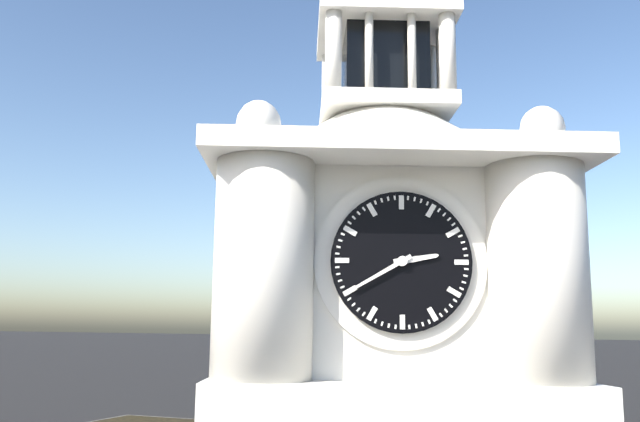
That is h=2 m=40
